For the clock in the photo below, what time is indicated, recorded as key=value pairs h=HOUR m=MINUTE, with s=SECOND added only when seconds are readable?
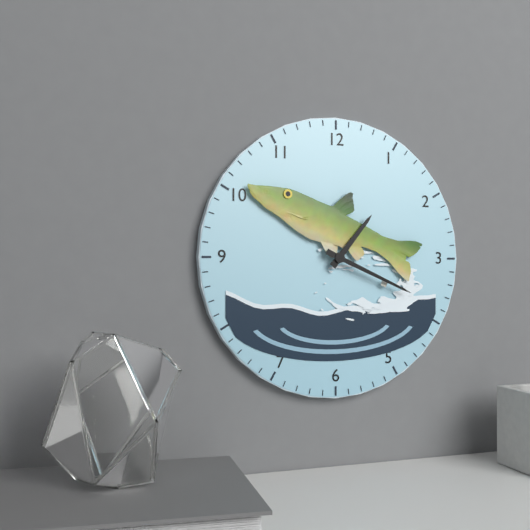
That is h=1 m=19
